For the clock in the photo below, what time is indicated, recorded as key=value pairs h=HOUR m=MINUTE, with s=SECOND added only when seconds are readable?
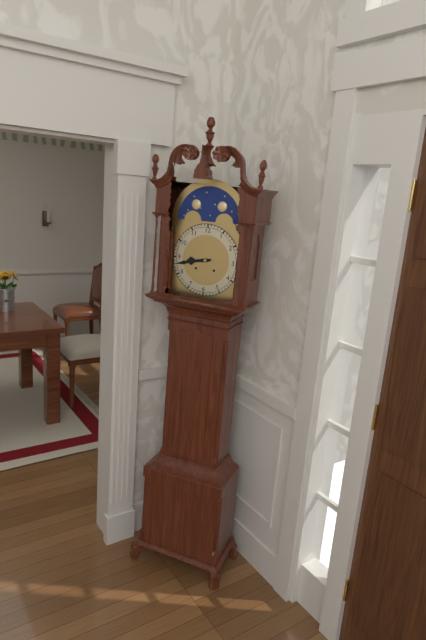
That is h=8 m=43
